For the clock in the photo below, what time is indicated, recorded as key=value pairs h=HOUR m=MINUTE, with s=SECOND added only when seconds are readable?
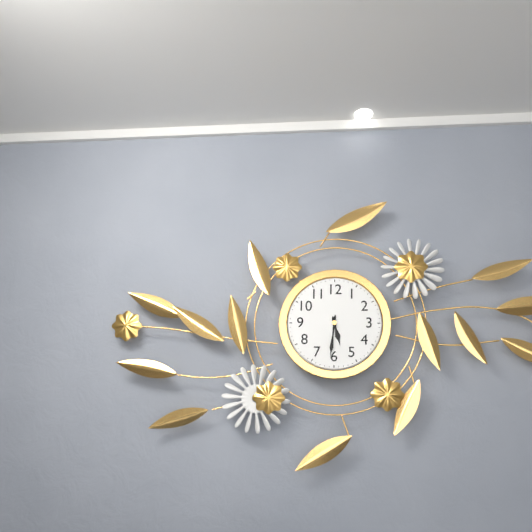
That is h=5 m=31
